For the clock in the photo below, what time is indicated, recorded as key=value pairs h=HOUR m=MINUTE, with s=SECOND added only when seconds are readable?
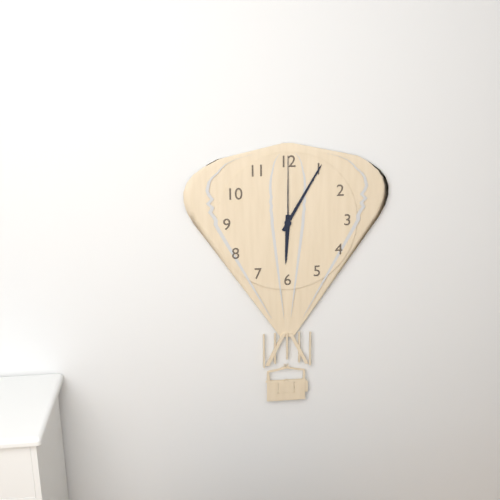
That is h=6 m=5 s=0
